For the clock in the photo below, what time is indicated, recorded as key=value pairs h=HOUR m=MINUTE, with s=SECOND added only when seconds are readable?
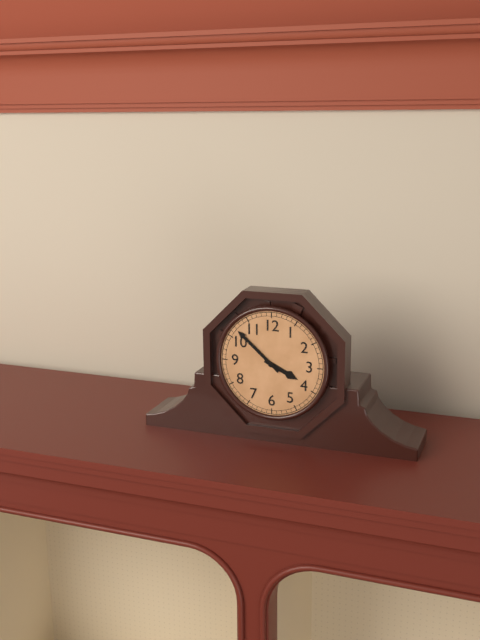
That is h=3 m=52
